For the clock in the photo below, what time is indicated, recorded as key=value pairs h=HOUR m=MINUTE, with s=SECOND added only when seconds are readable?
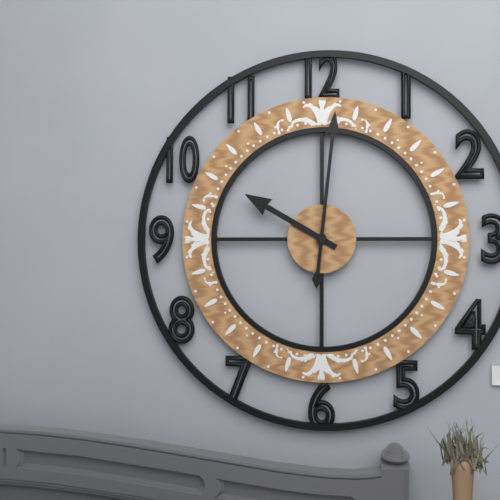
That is h=10 m=1
